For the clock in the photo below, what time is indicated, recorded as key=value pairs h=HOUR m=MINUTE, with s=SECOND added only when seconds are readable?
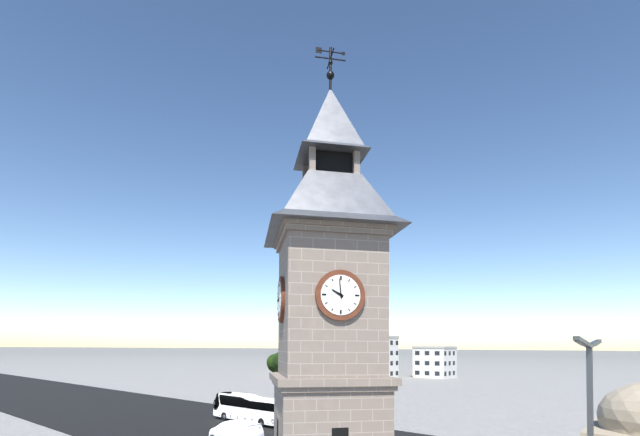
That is h=9 m=59
